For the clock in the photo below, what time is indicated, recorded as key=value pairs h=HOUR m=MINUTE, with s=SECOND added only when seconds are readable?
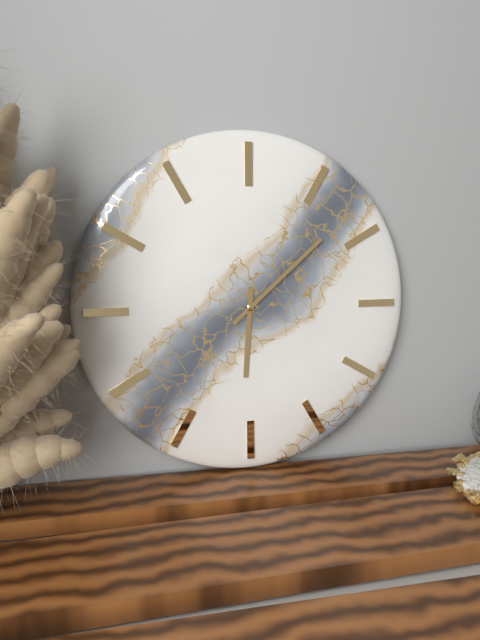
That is h=6 m=8
